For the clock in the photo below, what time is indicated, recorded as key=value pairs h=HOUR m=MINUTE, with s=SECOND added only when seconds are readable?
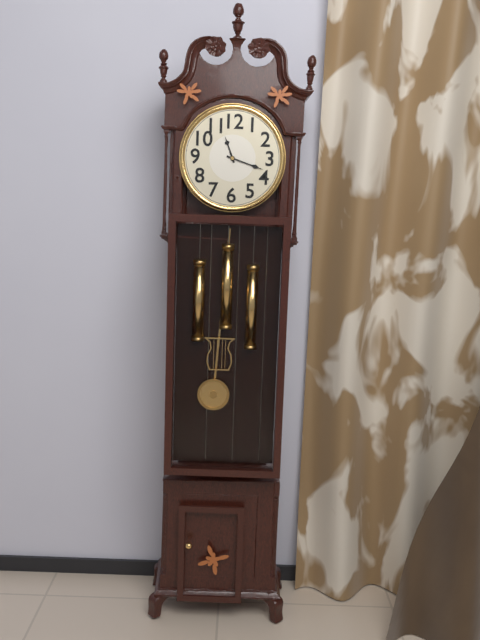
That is h=11 m=18
